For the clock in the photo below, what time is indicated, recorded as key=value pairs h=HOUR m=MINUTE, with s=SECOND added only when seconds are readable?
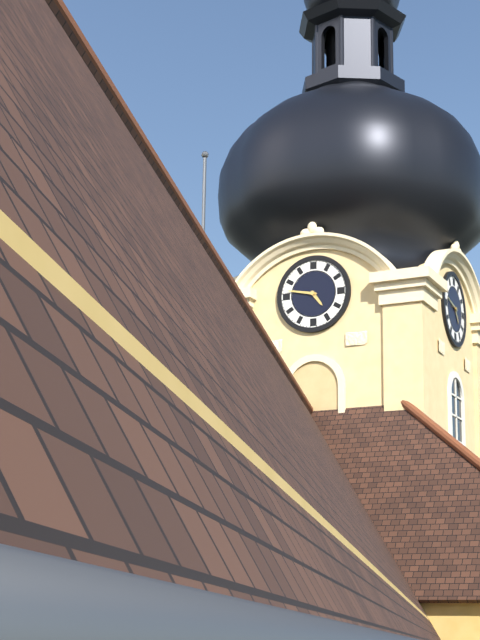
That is h=4 m=47
